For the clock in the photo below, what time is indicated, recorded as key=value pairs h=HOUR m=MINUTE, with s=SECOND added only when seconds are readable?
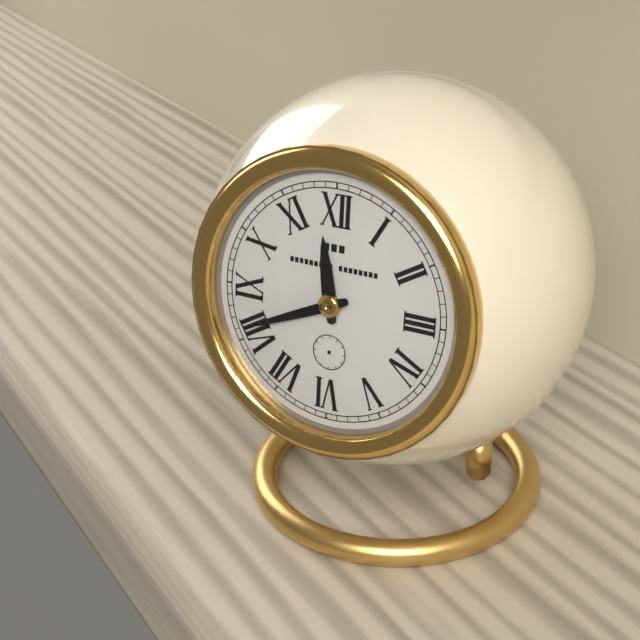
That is h=11 m=41
